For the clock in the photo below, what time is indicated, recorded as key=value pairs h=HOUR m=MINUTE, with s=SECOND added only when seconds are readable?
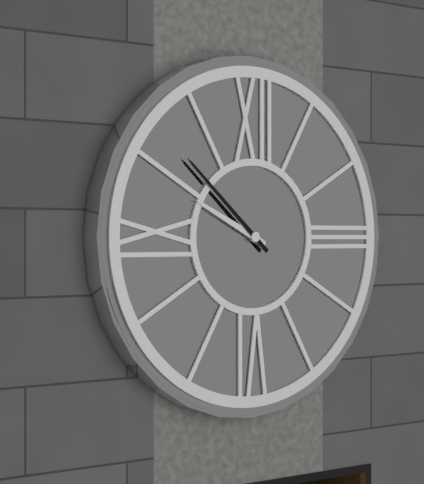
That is h=9 m=52
